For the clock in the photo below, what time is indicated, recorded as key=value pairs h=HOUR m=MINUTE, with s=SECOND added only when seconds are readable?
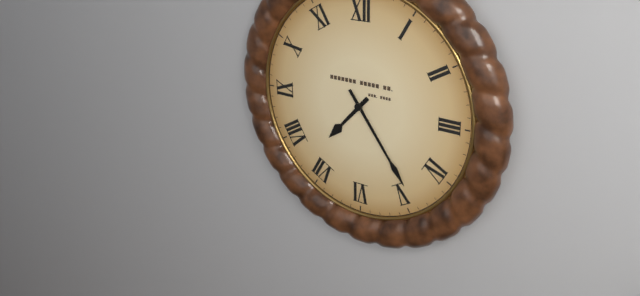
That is h=7 m=24
